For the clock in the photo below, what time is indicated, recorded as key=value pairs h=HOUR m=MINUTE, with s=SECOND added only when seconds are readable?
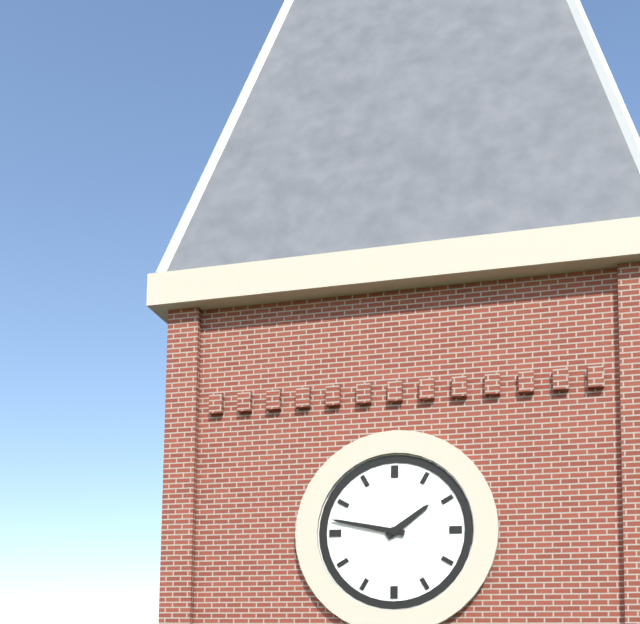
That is h=1 m=47
